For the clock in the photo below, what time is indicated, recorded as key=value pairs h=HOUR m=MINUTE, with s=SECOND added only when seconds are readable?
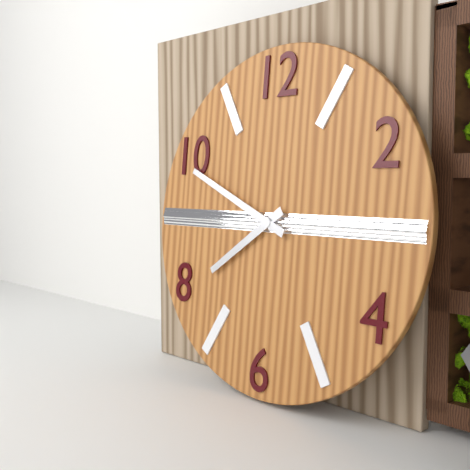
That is h=7 m=49
